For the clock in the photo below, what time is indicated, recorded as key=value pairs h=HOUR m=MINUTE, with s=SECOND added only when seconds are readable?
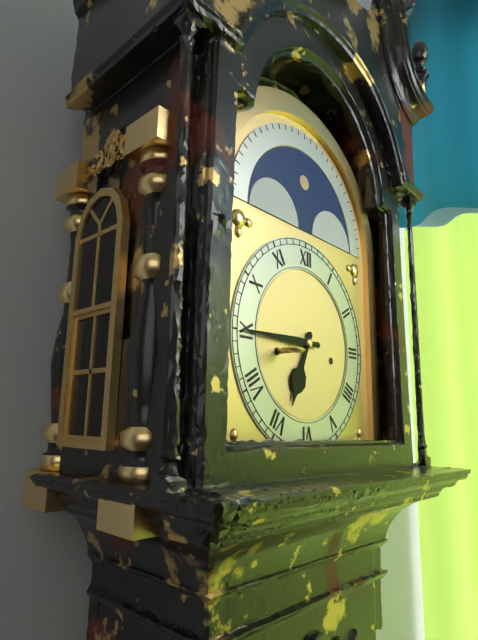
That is h=6 m=45
